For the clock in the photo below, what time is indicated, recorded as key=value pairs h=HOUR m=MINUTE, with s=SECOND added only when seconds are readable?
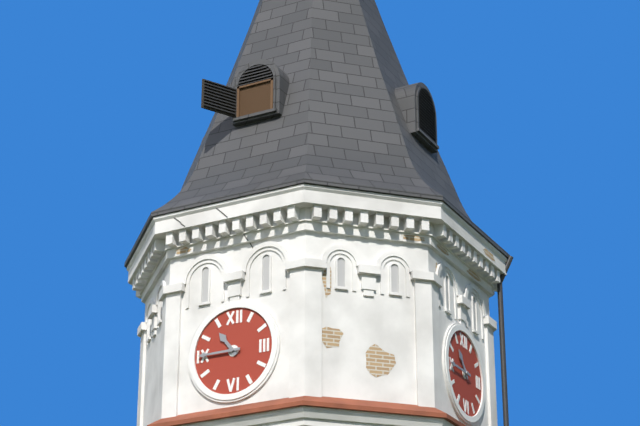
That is h=10 m=45
